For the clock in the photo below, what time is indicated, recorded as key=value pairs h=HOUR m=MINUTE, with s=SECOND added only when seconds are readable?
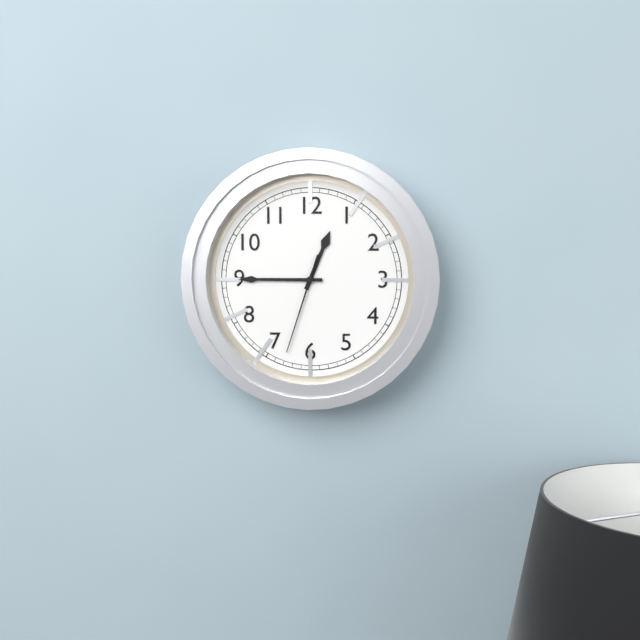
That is h=12 m=45 s=33
